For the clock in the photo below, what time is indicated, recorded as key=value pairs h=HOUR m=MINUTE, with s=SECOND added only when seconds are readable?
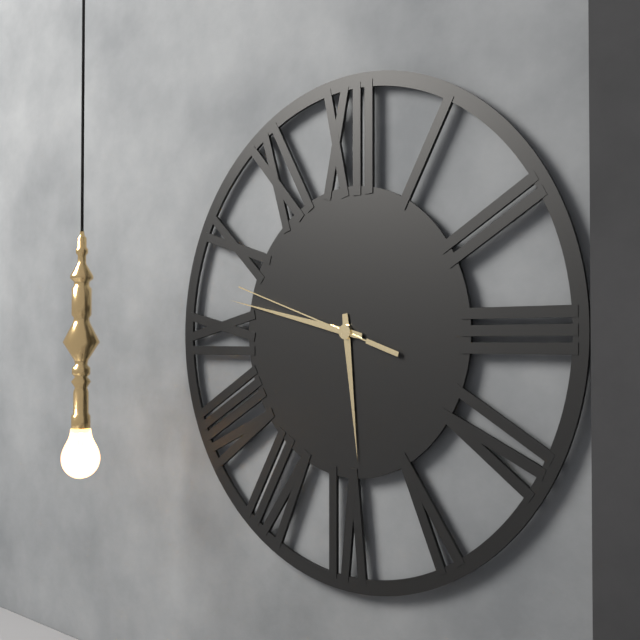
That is h=5 m=47 s=48
